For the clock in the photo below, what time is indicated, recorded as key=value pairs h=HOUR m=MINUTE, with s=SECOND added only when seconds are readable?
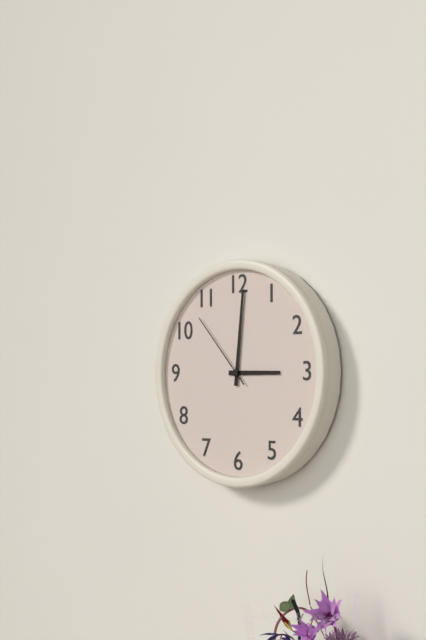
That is h=3 m=1 s=53
